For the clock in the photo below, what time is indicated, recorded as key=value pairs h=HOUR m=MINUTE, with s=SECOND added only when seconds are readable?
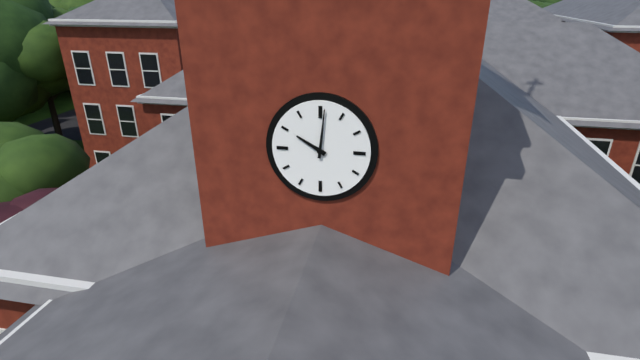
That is h=10 m=1
